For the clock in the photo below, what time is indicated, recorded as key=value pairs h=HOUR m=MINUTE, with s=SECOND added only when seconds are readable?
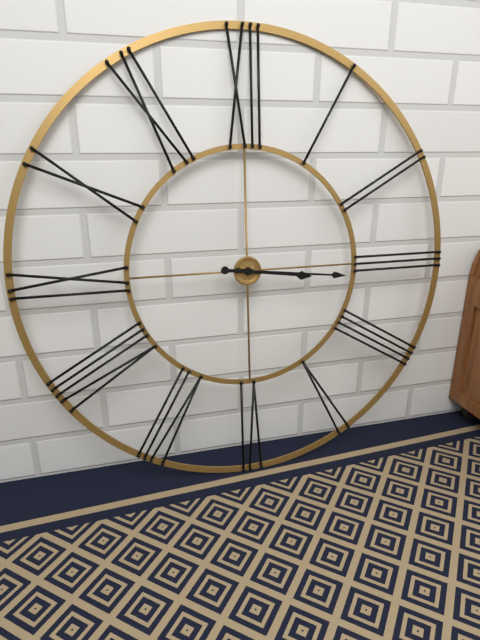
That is h=3 m=16
